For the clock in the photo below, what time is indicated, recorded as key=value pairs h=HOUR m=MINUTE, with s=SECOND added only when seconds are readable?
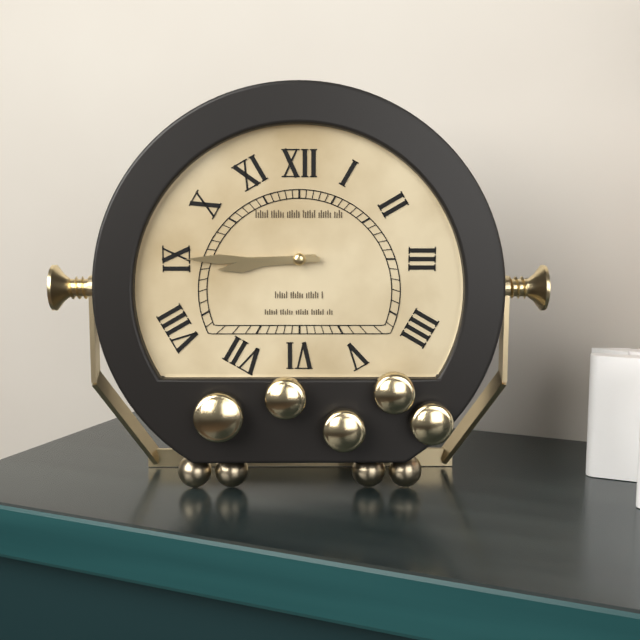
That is h=8 m=45
